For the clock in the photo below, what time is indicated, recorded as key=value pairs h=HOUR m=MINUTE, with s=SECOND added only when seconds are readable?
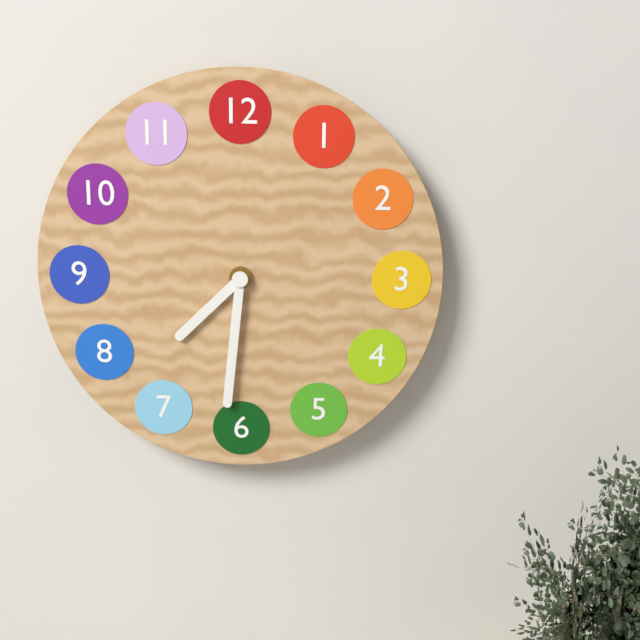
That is h=7 m=31
